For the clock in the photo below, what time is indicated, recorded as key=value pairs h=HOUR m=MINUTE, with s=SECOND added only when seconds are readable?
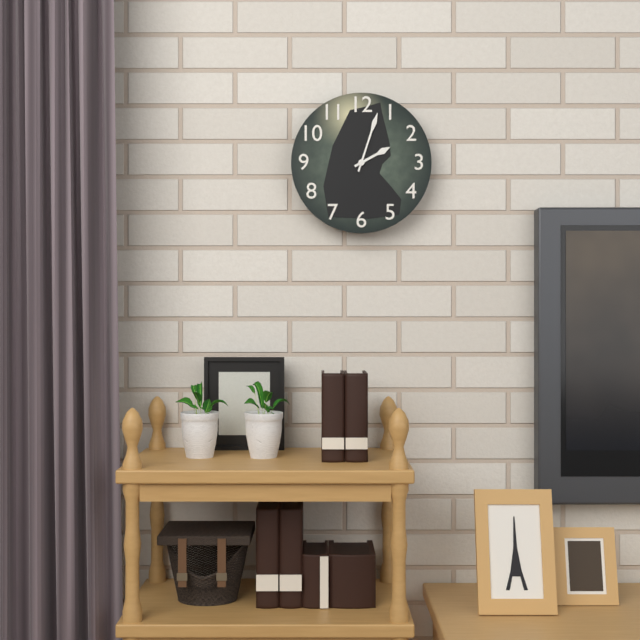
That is h=2 m=3
